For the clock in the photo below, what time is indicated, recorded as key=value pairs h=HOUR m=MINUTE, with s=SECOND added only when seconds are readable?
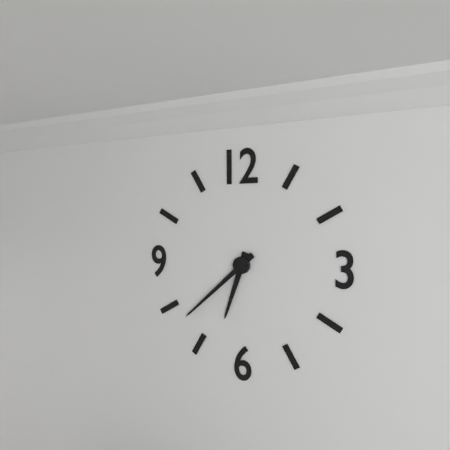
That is h=6 m=38
